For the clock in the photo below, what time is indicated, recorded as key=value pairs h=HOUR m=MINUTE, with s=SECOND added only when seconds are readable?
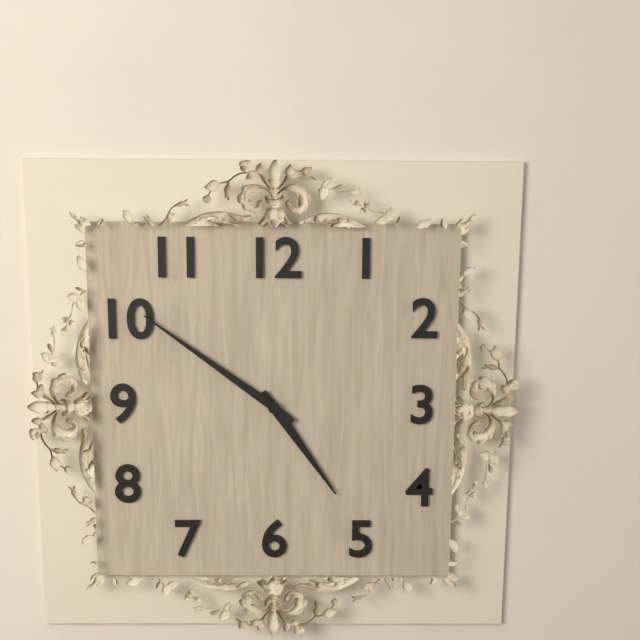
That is h=4 m=51
